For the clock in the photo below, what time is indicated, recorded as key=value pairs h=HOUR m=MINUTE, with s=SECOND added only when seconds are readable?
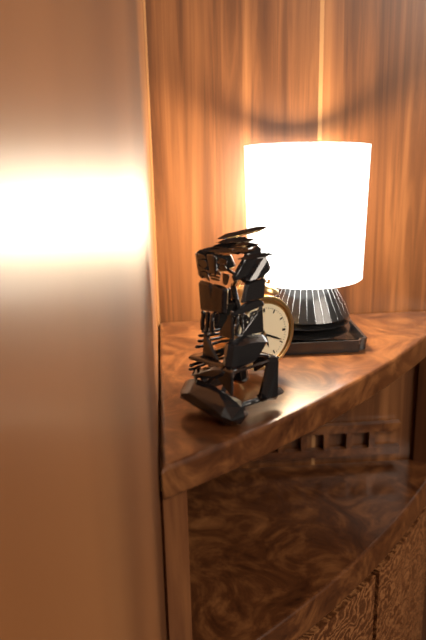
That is h=5 m=19
